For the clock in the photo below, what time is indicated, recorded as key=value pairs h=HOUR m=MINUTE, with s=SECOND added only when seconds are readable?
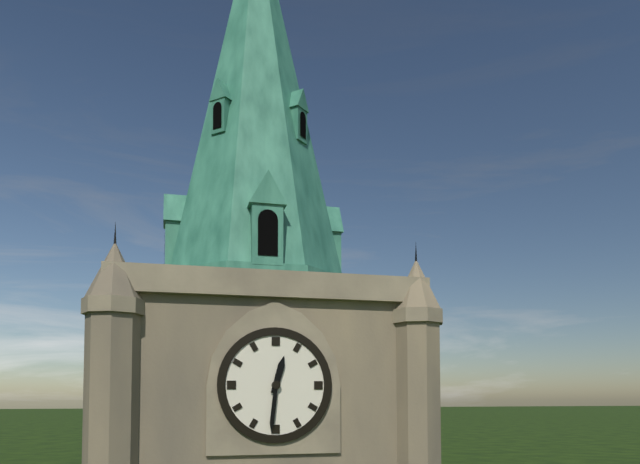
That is h=12 m=31
